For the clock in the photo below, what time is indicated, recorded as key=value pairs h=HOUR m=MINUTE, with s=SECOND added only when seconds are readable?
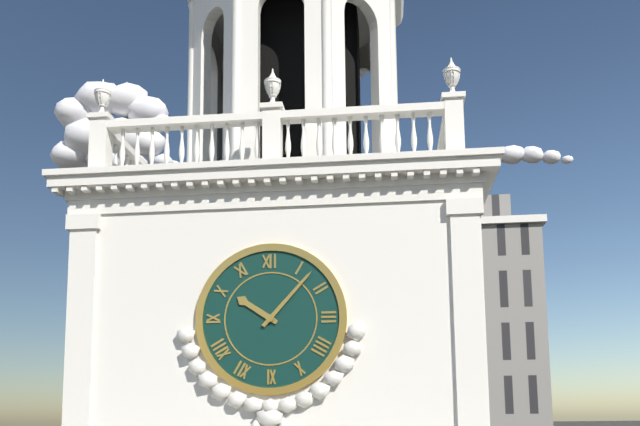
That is h=10 m=7
